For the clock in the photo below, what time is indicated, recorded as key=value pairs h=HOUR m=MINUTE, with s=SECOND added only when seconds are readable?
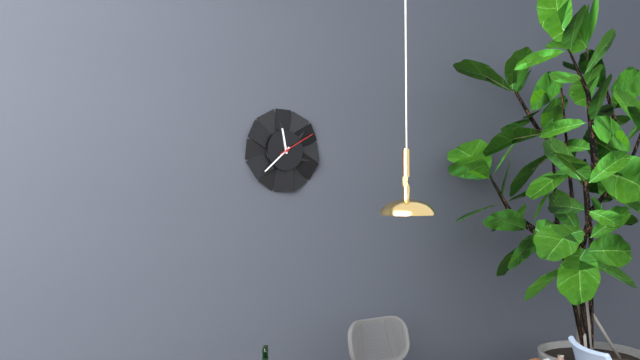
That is h=11 m=38
